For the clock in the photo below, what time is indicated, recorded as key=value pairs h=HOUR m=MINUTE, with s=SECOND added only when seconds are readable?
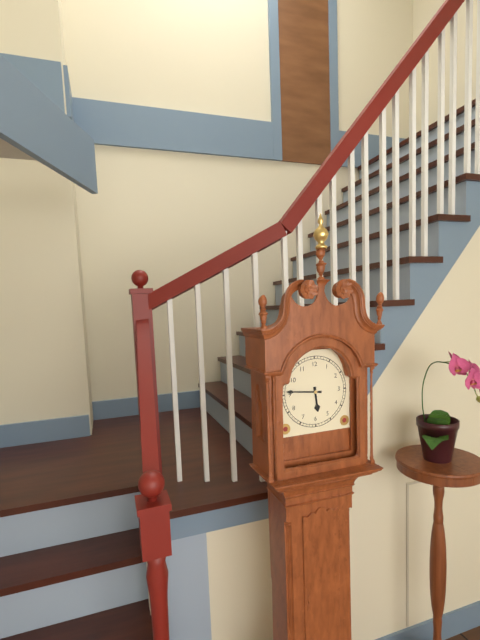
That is h=5 m=46
